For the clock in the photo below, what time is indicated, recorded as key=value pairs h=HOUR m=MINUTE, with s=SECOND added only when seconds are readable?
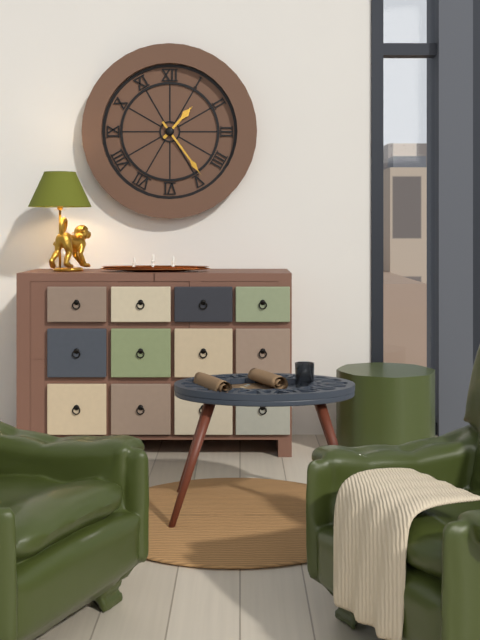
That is h=1 m=24
